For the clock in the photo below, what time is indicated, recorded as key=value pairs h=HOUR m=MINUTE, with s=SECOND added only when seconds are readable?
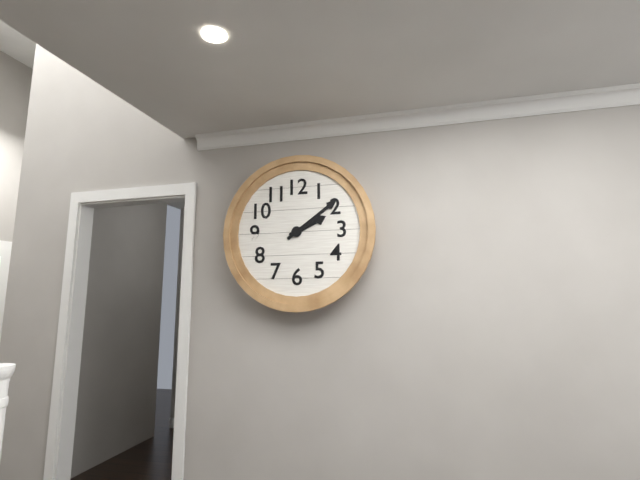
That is h=2 m=9
